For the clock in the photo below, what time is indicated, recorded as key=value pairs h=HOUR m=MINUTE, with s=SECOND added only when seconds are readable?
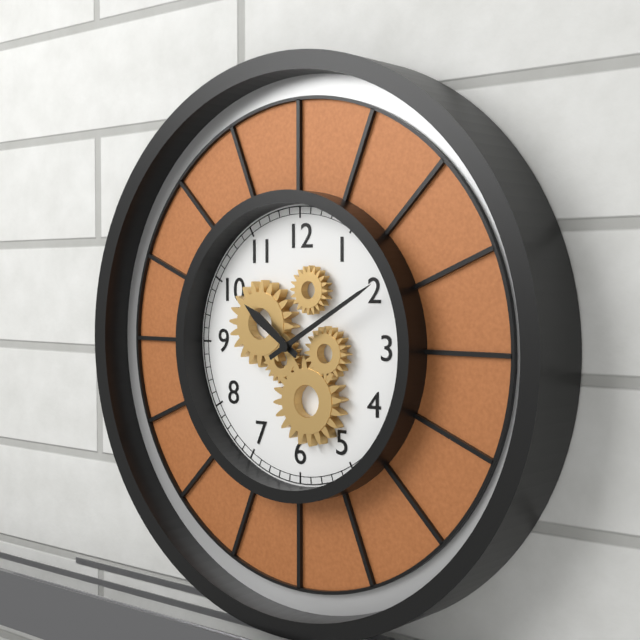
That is h=10 m=10
